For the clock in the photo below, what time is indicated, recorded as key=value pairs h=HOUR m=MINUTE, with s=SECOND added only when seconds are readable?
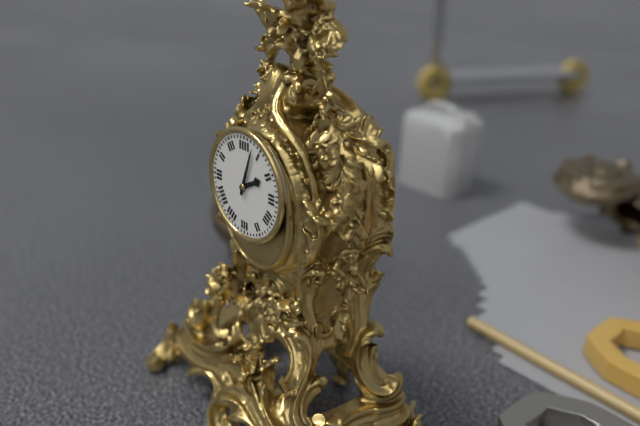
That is h=2 m=3
